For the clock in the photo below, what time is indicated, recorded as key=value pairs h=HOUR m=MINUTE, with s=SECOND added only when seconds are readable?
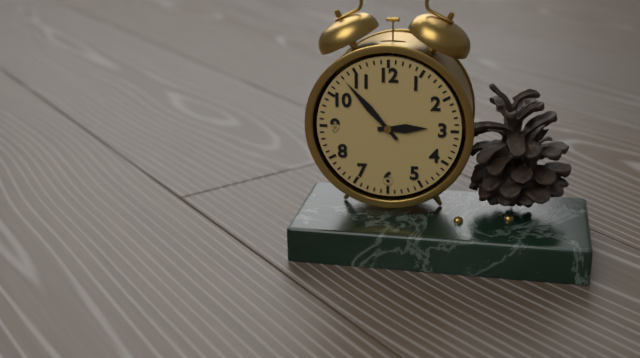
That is h=2 m=53
